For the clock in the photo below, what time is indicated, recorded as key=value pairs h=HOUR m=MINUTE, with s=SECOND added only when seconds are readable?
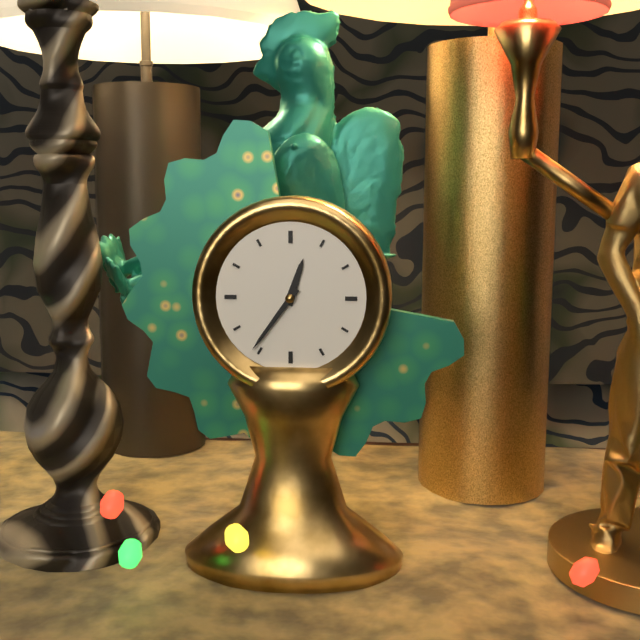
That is h=12 m=36
